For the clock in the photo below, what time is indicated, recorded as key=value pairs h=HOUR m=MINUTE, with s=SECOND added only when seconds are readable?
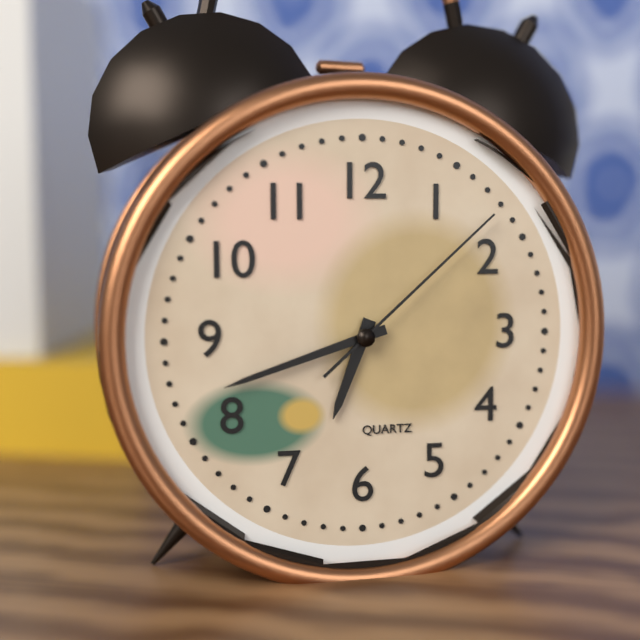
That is h=6 m=42 s=8
